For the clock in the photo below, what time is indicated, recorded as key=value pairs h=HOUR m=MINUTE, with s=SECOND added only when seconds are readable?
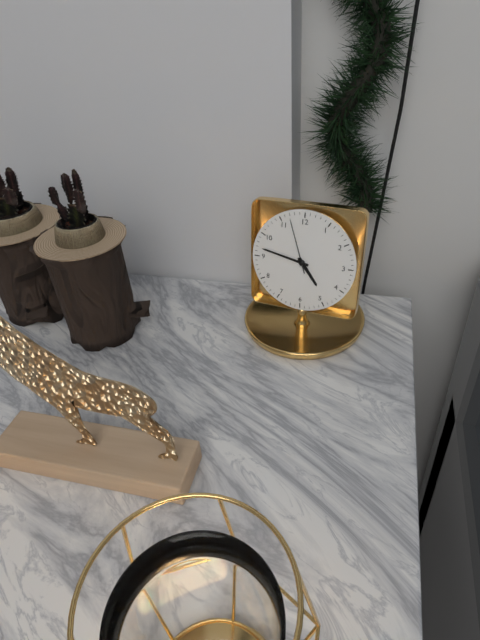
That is h=4 m=47 s=57
